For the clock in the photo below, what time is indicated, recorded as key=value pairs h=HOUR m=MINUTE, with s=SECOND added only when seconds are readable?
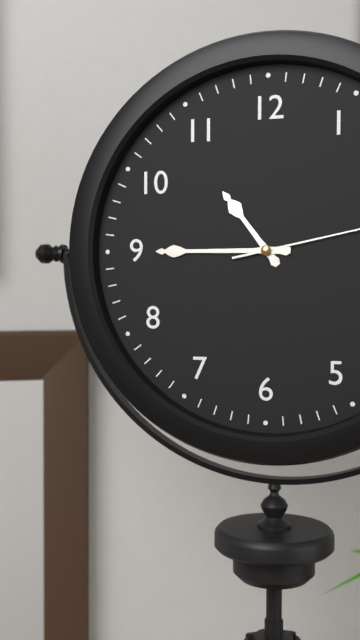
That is h=10 m=45
